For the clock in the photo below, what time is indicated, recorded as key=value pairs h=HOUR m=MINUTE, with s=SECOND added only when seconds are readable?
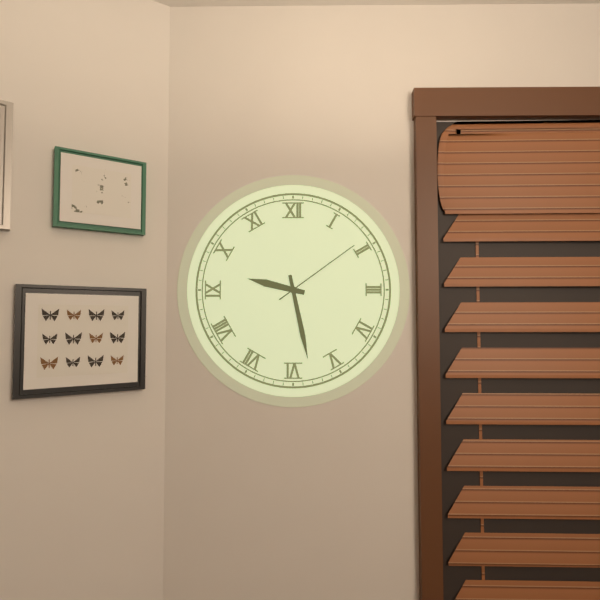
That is h=9 m=28 s=9
